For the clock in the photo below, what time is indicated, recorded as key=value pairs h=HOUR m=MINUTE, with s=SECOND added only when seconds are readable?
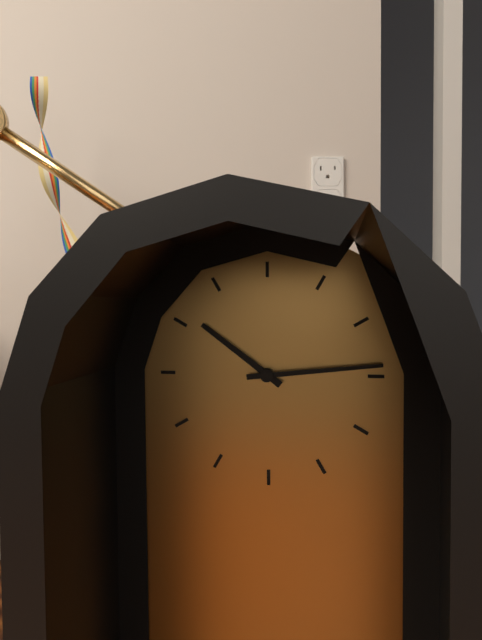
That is h=10 m=14
